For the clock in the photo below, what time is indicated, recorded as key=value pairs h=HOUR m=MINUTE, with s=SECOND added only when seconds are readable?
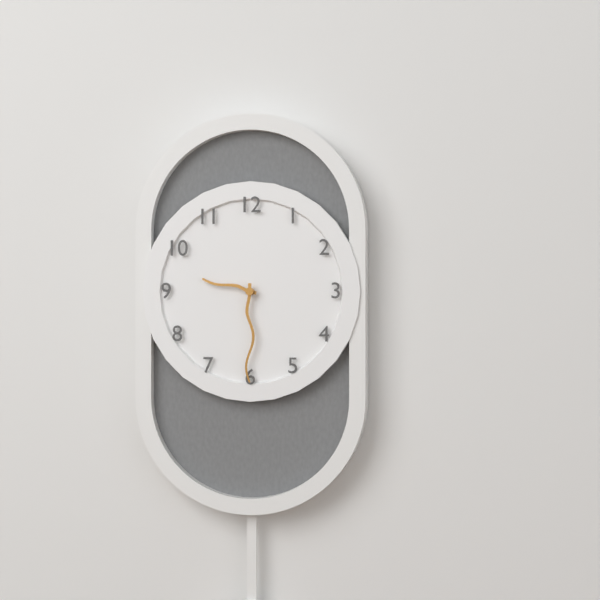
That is h=9 m=30
